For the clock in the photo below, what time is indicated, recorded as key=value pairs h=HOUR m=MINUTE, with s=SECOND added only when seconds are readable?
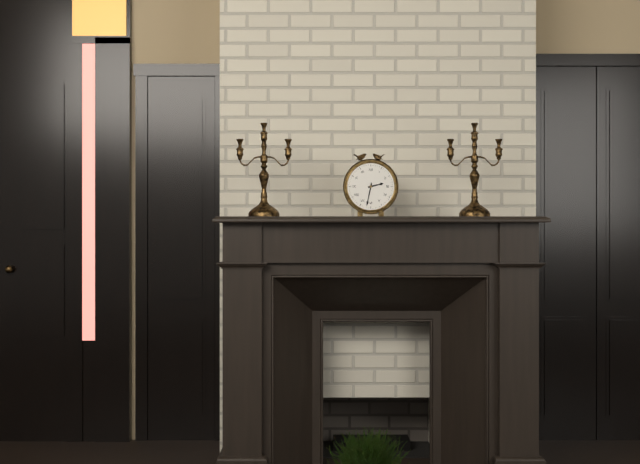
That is h=2 m=32
